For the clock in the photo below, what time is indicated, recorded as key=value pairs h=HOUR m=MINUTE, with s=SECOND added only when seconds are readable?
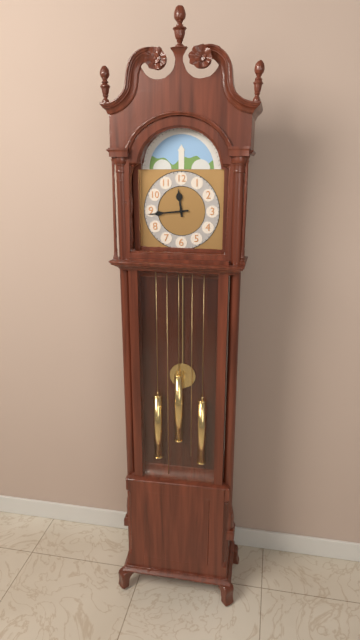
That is h=11 m=44
